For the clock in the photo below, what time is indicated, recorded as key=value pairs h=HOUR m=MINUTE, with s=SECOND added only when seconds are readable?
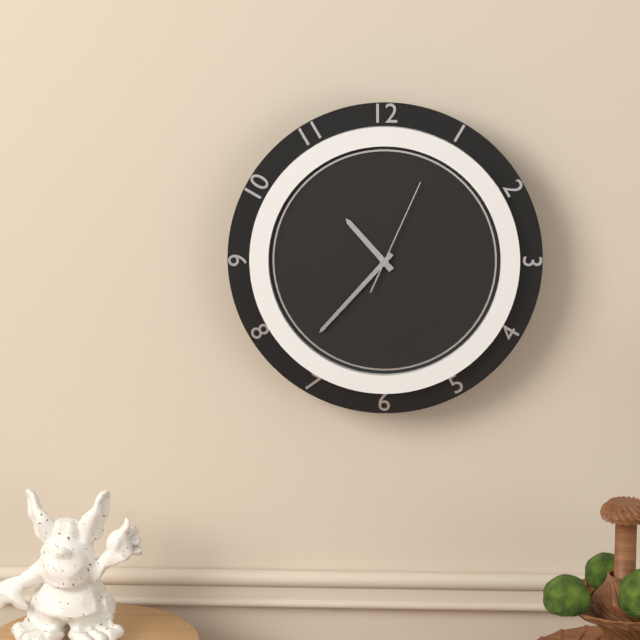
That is h=10 m=37 s=4
